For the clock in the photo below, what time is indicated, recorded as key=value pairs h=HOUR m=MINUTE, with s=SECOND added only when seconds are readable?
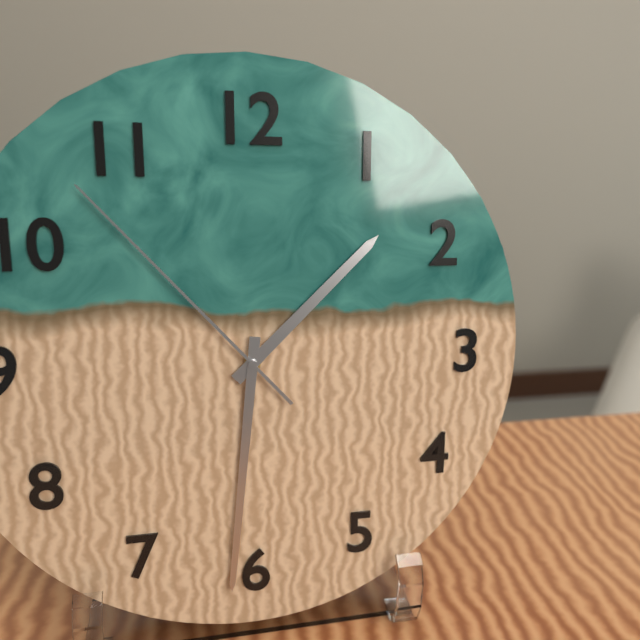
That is h=1 m=31 s=53
